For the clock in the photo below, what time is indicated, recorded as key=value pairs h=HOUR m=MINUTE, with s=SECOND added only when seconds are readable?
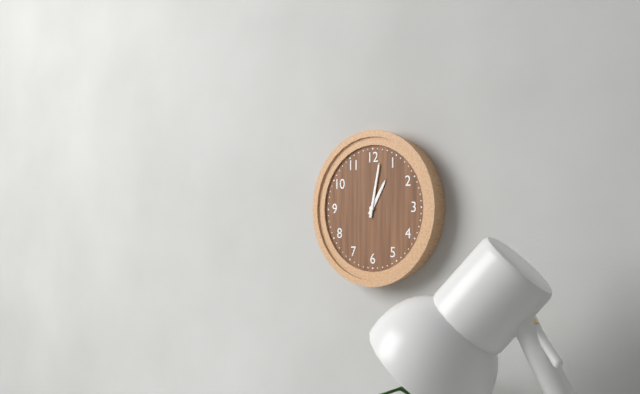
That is h=1 m=2
